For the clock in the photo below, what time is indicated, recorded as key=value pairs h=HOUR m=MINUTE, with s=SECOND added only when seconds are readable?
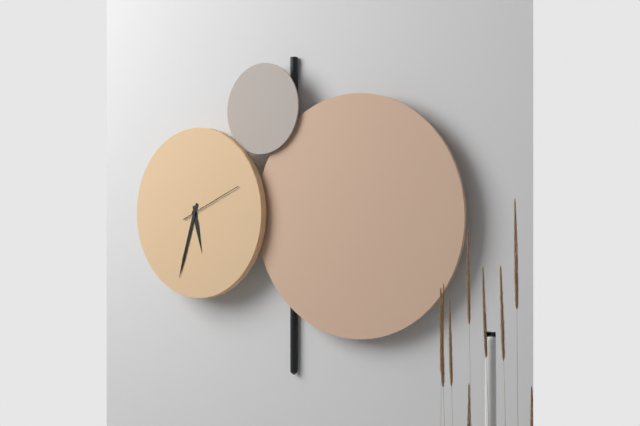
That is h=5 m=33 s=11
